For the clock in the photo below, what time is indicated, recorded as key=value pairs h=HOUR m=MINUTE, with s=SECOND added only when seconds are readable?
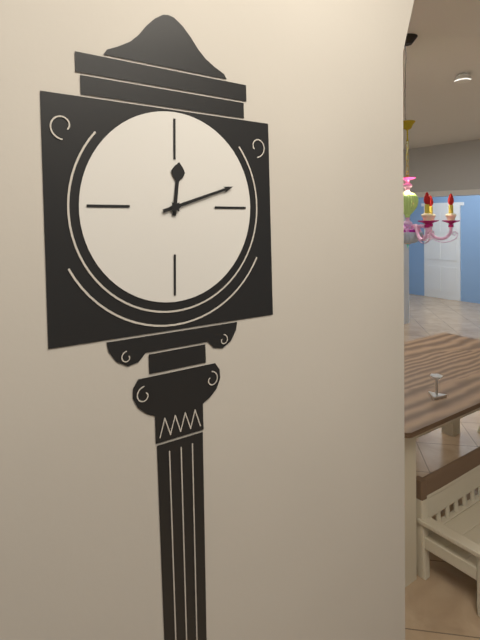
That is h=12 m=12
